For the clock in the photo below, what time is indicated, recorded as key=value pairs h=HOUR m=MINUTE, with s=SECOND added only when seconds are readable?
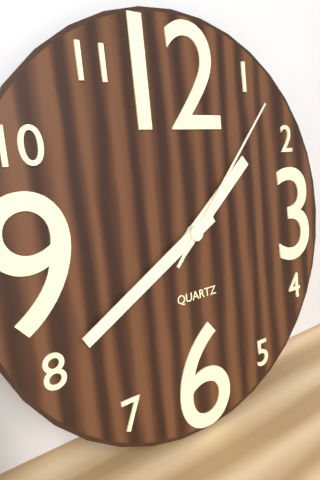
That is h=1 m=40 s=7
